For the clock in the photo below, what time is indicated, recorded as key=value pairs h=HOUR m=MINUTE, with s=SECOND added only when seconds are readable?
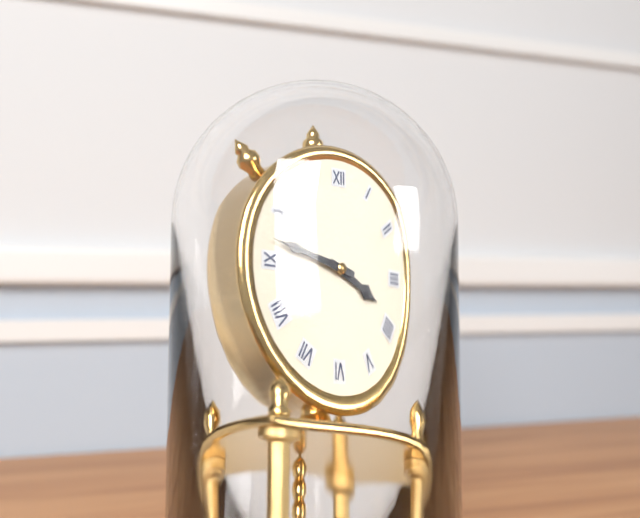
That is h=3 m=47
